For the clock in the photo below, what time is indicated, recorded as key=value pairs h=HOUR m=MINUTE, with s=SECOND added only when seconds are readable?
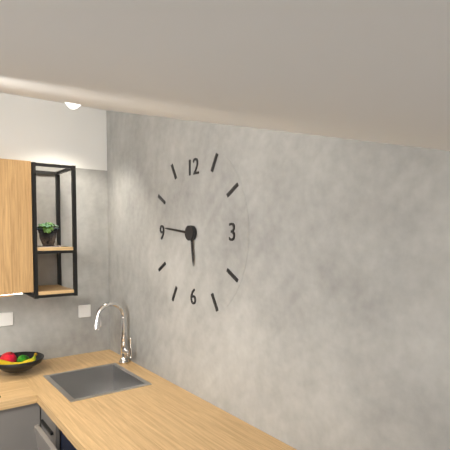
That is h=5 m=46
